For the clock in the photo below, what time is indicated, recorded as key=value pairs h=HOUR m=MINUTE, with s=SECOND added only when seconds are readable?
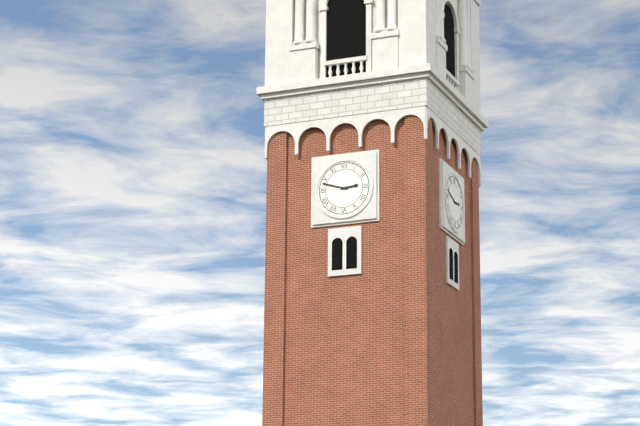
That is h=2 m=48
